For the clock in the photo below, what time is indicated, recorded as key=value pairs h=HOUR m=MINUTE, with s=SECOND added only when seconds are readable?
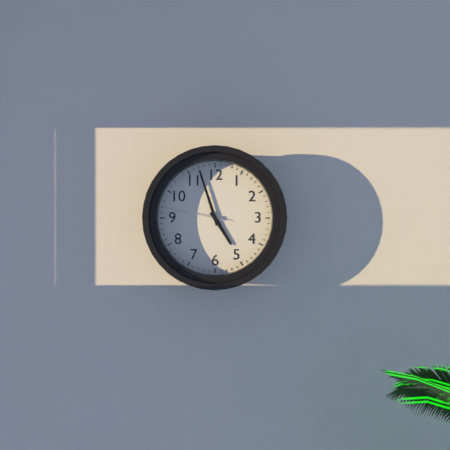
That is h=4 m=57 s=47
